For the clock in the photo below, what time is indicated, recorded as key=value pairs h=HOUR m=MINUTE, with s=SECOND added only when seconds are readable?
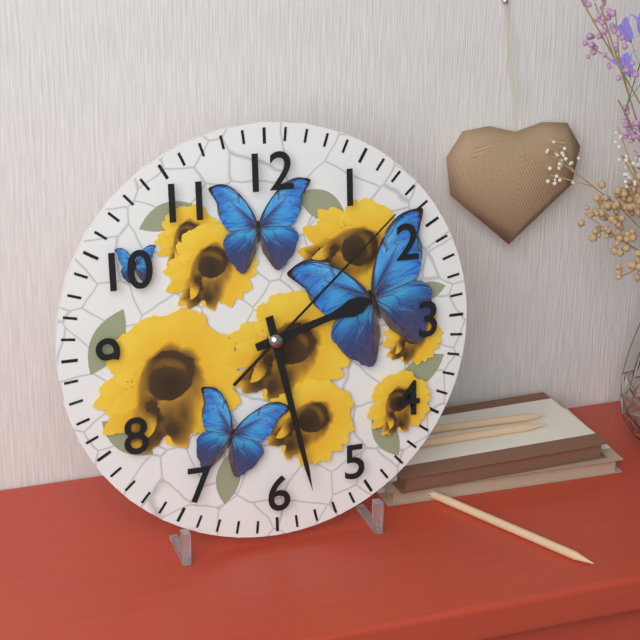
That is h=2 m=28 s=8
